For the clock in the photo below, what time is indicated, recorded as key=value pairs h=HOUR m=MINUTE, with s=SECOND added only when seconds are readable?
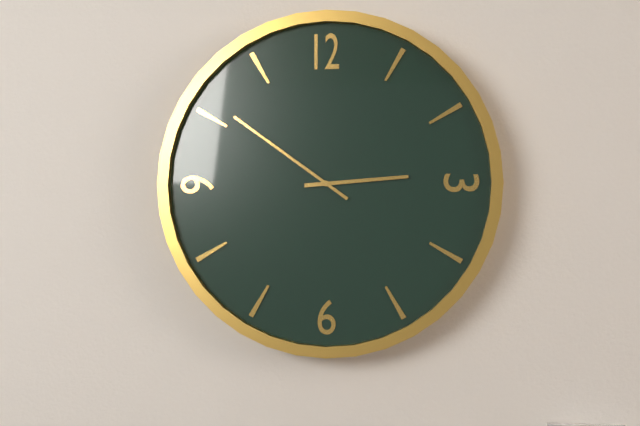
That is h=2 m=51
